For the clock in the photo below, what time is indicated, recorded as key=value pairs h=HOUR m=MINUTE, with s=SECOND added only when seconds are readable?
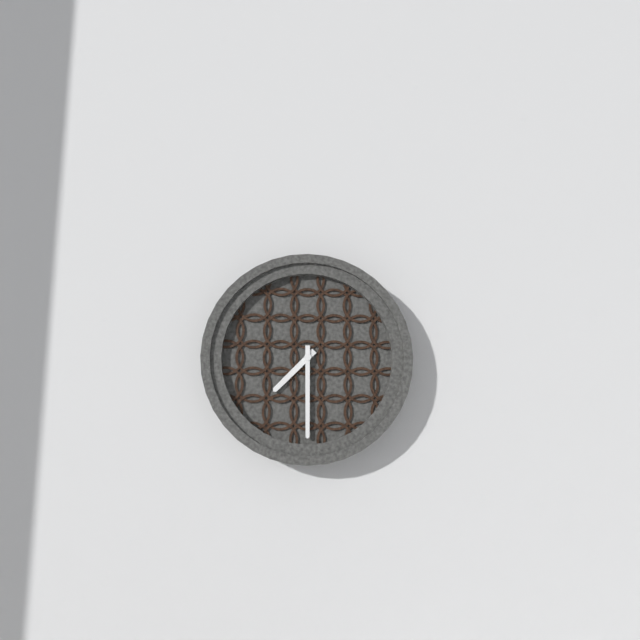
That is h=7 m=30
